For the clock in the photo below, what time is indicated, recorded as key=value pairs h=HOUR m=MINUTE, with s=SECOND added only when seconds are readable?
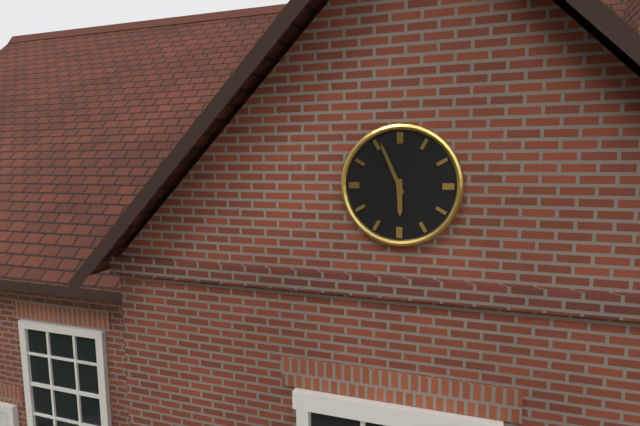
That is h=5 m=56
